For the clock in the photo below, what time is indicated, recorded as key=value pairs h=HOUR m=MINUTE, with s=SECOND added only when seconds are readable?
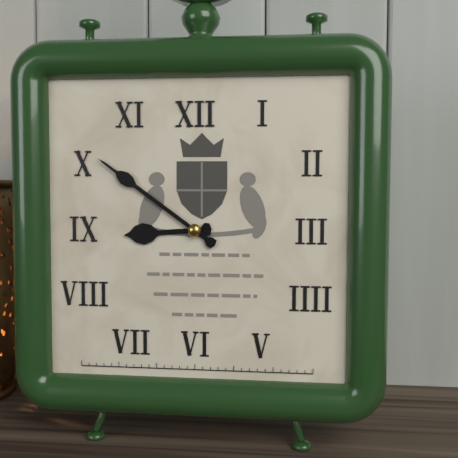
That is h=8 m=51
